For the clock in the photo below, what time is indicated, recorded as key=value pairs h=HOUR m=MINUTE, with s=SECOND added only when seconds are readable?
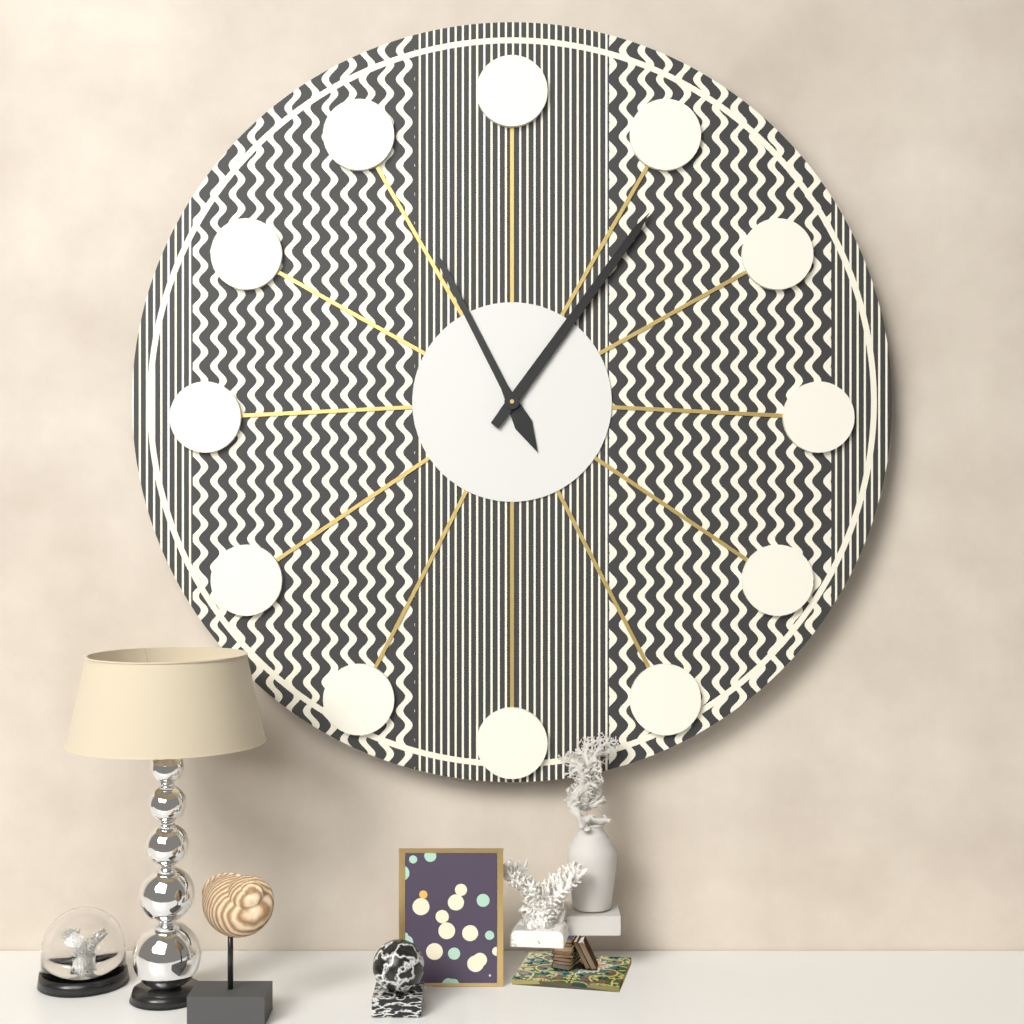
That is h=11 m=6
